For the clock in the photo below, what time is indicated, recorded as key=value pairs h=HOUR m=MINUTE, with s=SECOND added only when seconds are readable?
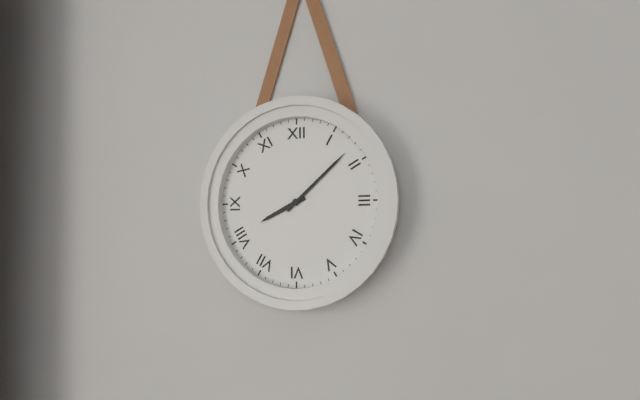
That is h=8 m=8
